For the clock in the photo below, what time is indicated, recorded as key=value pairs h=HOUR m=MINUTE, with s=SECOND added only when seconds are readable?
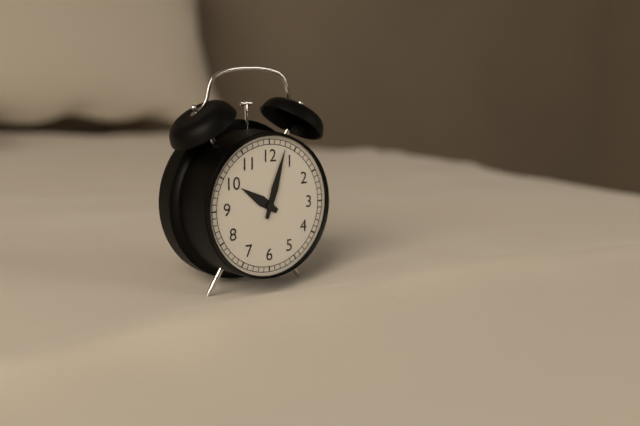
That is h=10 m=3
